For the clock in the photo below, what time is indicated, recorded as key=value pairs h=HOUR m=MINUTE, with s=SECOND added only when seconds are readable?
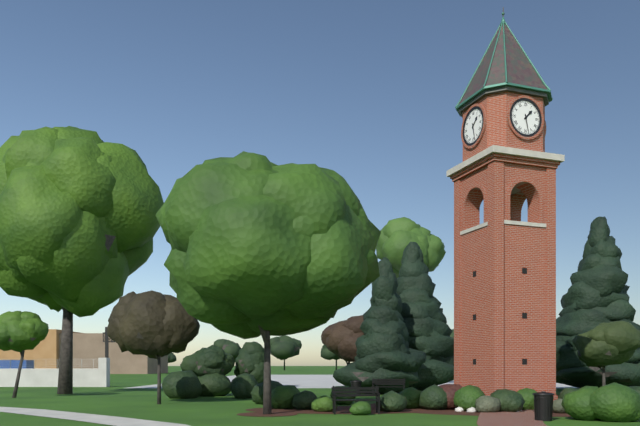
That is h=1 m=28
